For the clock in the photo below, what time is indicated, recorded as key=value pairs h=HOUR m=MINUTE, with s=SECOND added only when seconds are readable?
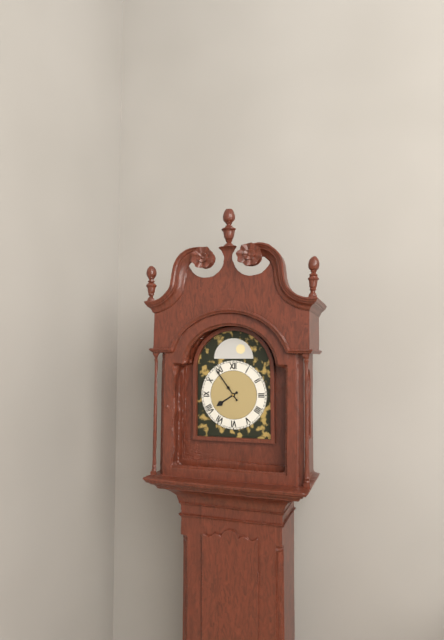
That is h=7 m=54
